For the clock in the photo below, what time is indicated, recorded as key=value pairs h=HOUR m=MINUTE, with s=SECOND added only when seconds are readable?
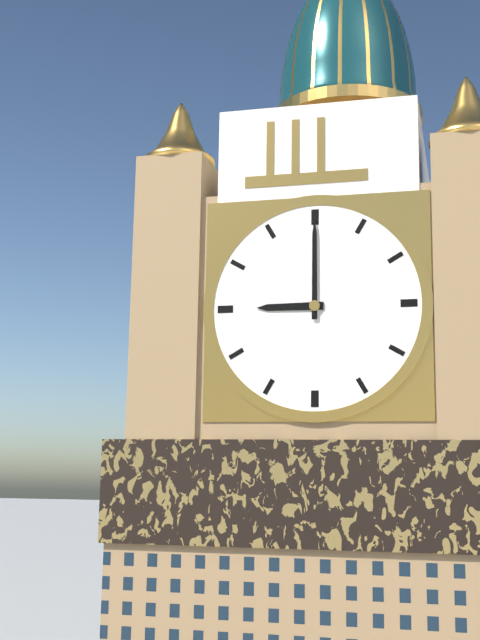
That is h=9 m=0
